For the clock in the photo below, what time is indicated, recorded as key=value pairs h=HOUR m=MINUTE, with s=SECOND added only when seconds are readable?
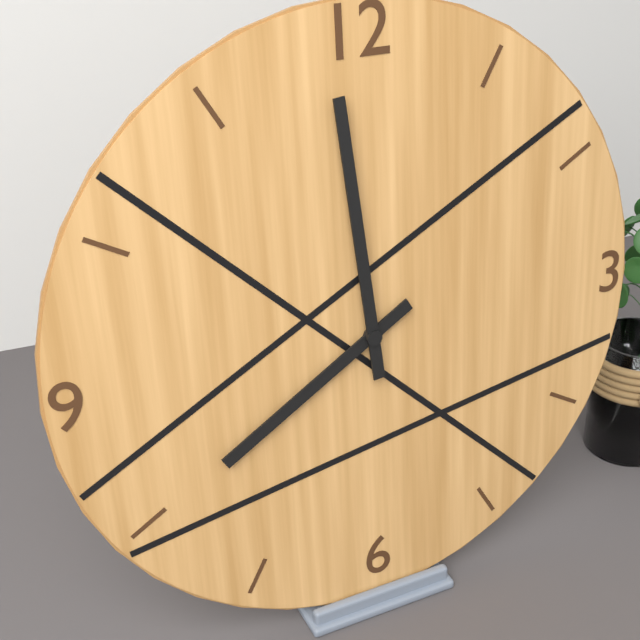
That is h=7 m=59
